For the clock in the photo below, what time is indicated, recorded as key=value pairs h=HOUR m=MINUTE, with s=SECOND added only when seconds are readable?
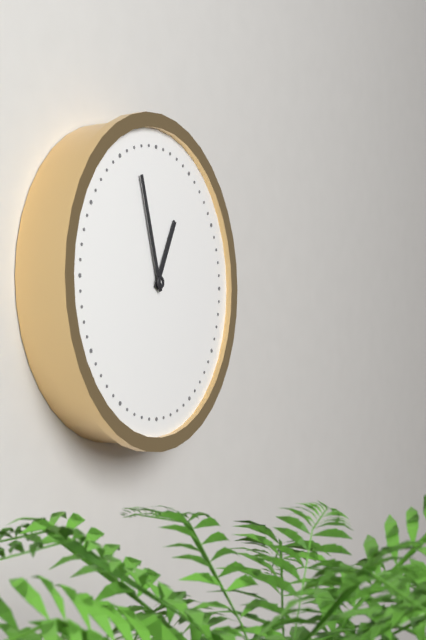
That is h=12 m=57
